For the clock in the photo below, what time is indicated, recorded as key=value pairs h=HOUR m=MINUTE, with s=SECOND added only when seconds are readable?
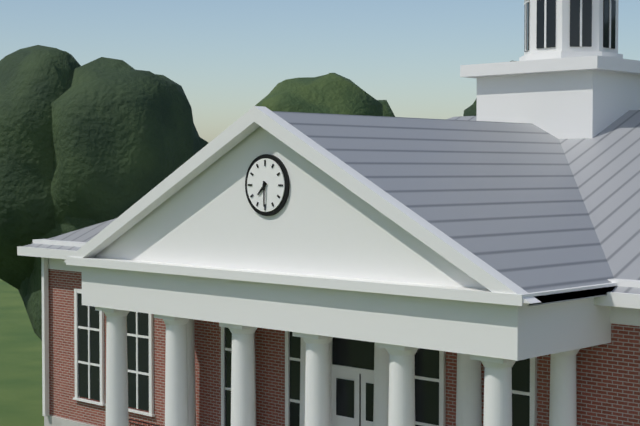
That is h=7 m=30
